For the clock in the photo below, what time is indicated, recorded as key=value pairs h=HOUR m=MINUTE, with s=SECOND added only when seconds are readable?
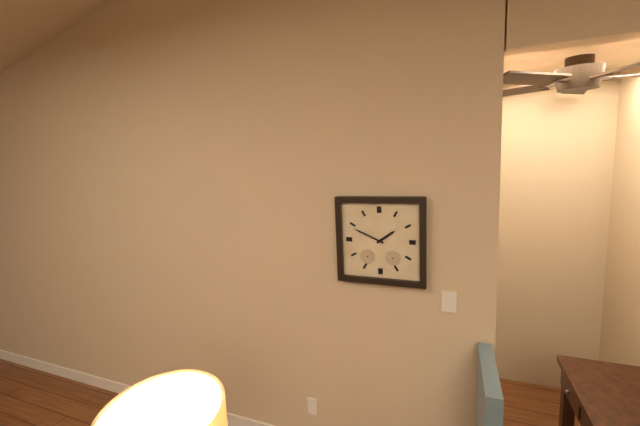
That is h=1 m=49
